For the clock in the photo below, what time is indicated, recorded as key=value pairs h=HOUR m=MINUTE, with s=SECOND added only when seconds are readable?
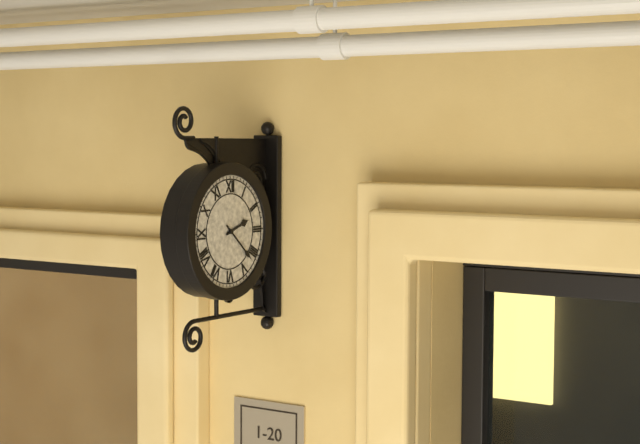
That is h=2 m=22
